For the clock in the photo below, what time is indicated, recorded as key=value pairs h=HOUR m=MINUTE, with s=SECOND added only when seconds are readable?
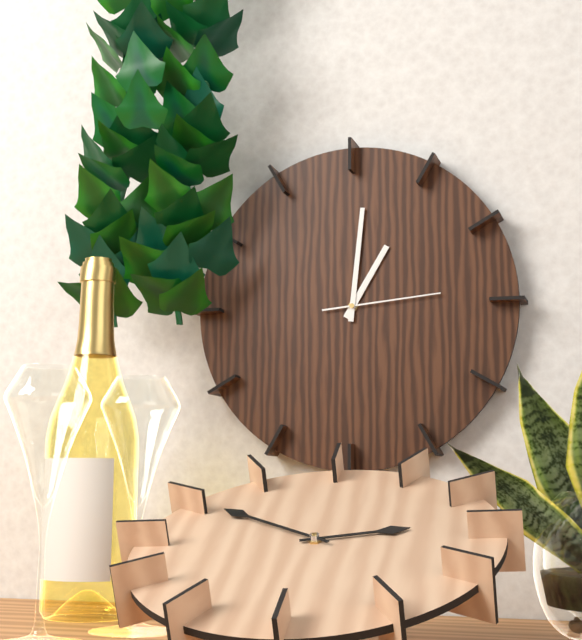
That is h=1 m=1 s=14
